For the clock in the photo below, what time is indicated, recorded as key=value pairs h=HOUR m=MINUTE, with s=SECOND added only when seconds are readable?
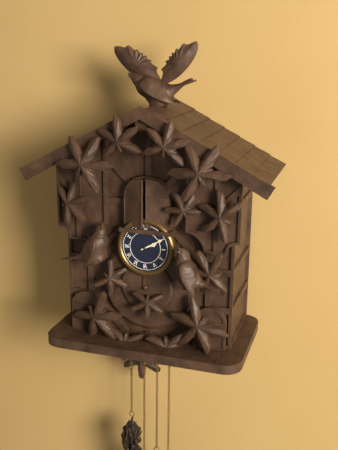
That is h=2 m=10
